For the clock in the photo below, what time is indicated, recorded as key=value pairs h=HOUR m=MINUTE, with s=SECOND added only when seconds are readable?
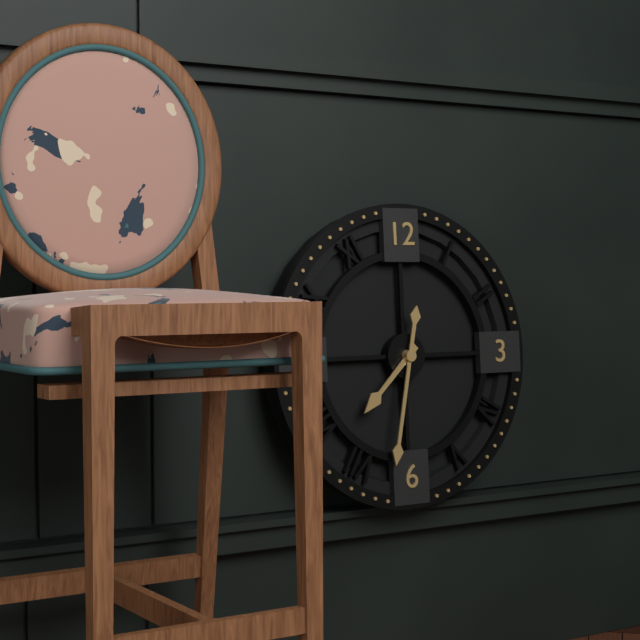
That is h=7 m=32
